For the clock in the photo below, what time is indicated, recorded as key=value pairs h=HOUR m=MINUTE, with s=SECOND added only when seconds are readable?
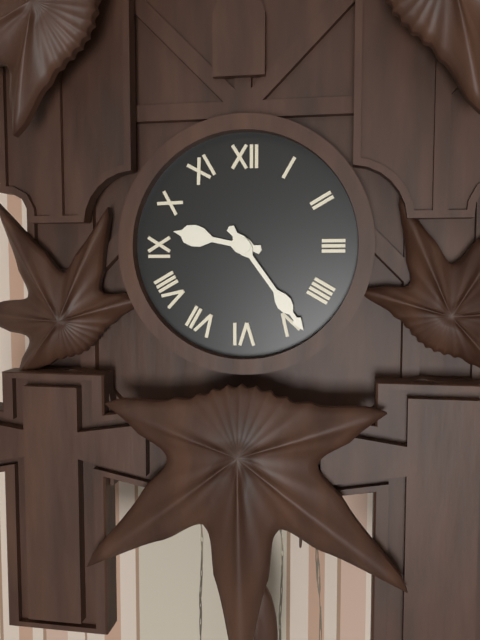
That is h=9 m=24
